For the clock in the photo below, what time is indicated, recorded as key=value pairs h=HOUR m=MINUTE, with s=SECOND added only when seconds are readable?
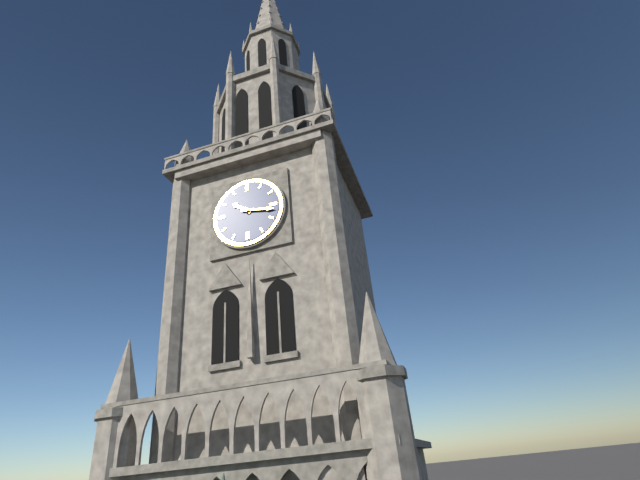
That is h=10 m=17
